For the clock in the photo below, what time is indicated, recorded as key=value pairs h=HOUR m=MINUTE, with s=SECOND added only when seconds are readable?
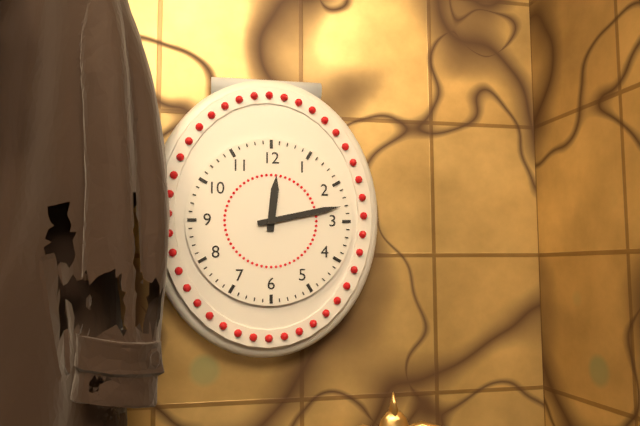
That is h=12 m=13
